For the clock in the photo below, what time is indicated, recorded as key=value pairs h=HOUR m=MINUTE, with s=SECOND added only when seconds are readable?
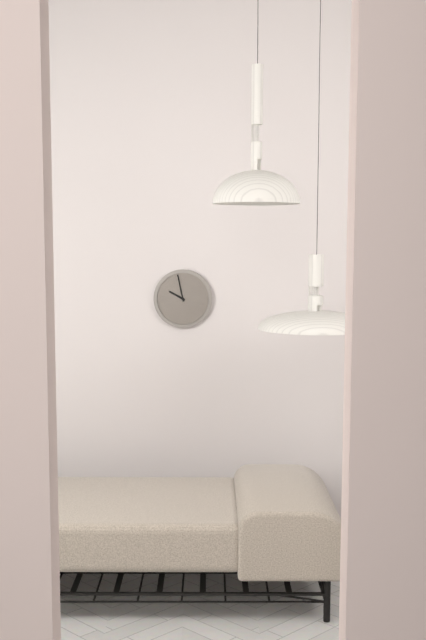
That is h=9 m=58
